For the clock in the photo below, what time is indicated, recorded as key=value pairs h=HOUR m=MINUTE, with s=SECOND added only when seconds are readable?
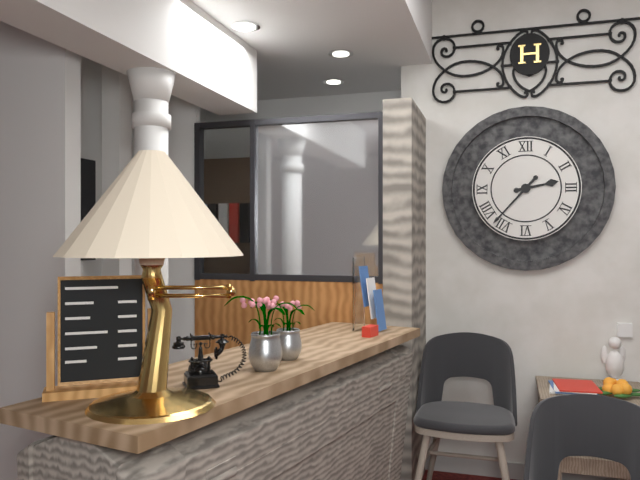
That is h=2 m=37
